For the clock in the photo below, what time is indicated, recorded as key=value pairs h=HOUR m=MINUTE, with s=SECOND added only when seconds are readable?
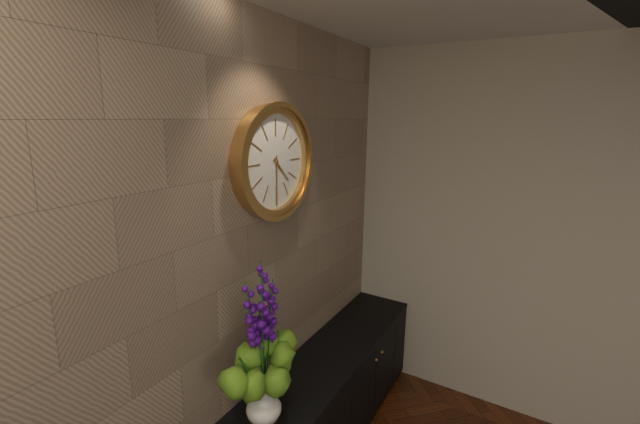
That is h=4 m=30
